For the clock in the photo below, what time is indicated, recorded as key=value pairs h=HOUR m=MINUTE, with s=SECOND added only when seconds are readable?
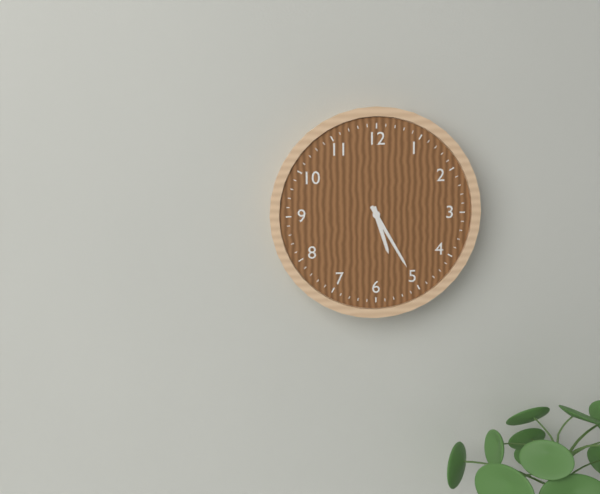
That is h=5 m=25
